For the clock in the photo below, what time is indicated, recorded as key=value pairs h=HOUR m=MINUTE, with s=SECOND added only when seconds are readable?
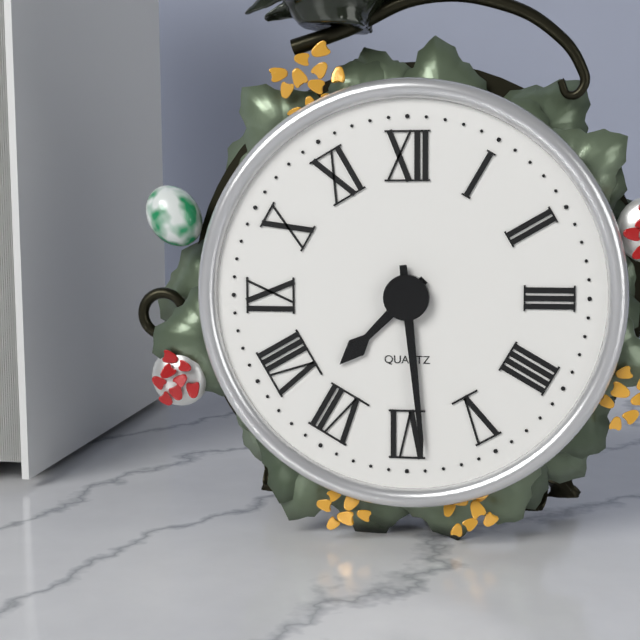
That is h=7 m=29
